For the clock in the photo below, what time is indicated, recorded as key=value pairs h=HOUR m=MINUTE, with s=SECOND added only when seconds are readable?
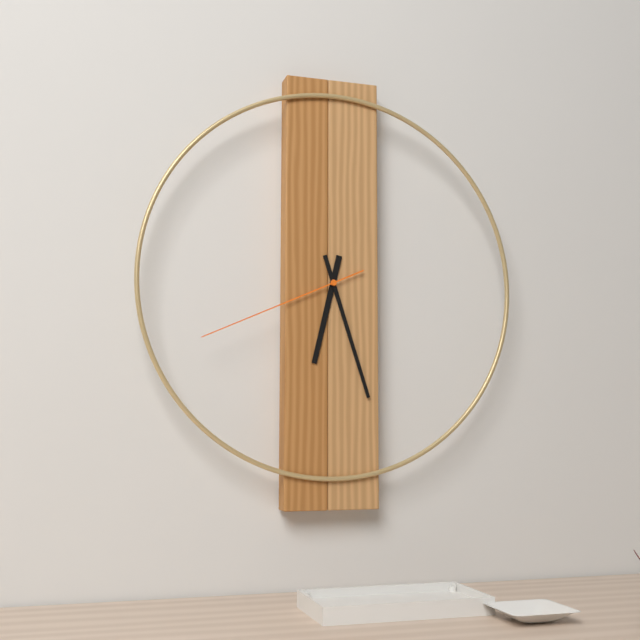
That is h=6 m=27 s=41
